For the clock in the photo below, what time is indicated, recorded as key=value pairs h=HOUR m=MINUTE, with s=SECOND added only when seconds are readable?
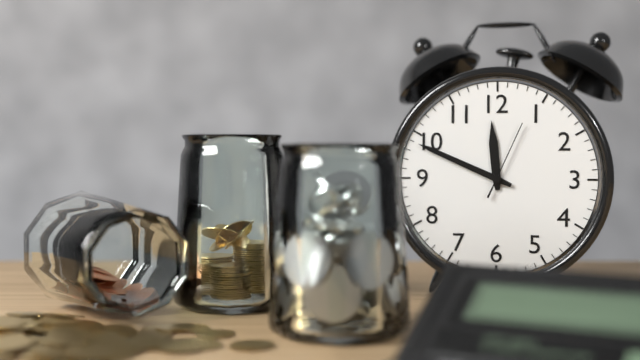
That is h=11 m=49 s=4
